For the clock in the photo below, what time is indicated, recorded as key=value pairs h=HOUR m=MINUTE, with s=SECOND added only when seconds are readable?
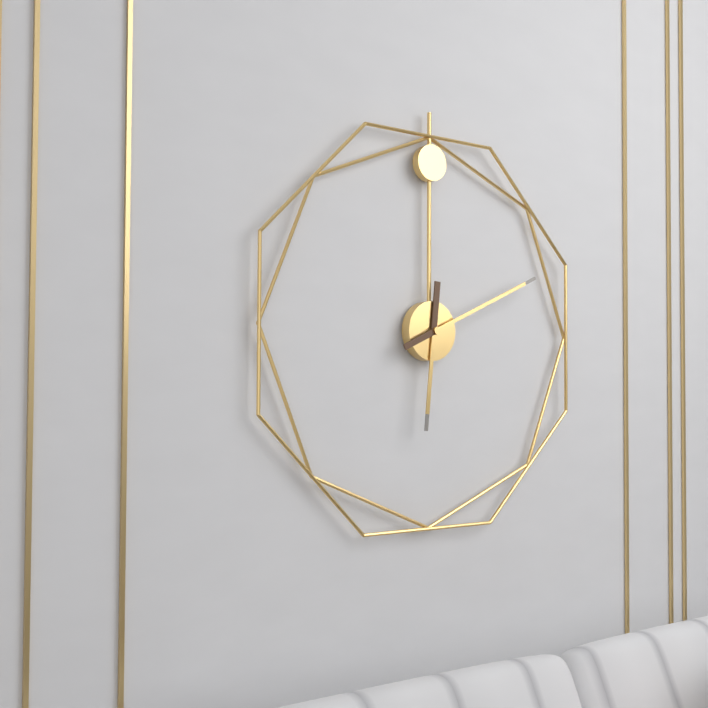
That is h=6 m=11
